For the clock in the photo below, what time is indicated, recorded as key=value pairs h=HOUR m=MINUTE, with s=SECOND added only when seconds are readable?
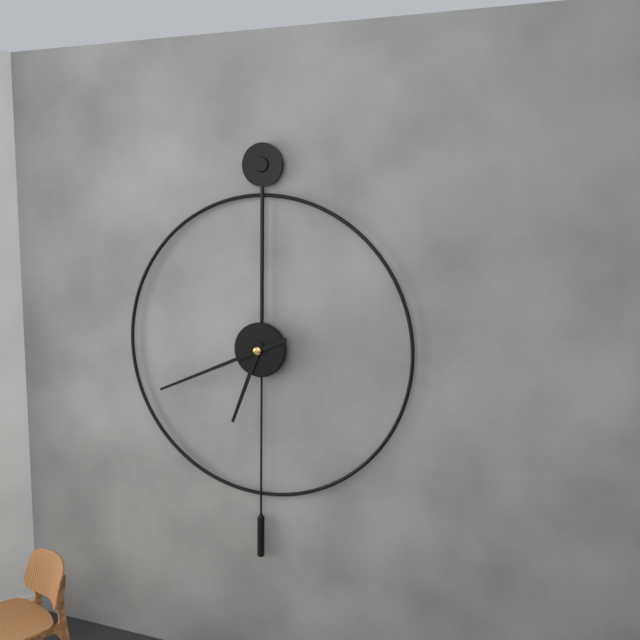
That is h=6 m=41
